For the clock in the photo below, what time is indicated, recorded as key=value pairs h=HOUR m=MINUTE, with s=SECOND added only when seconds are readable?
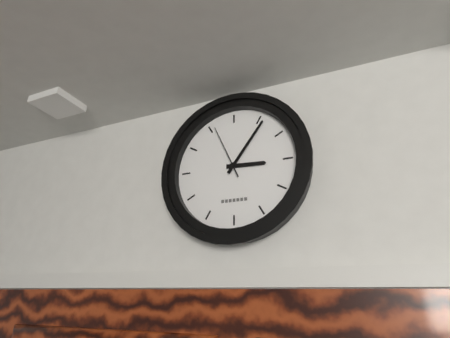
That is h=3 m=6 s=56
